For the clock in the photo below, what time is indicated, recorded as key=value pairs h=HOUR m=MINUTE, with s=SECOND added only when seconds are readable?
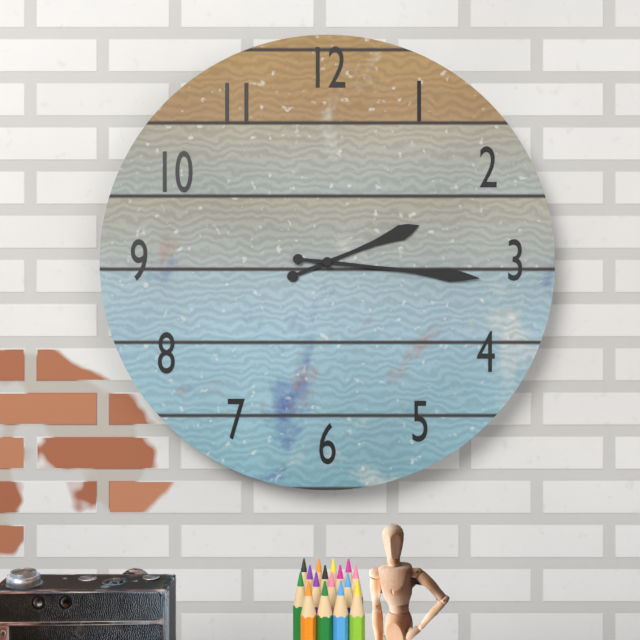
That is h=2 m=16
